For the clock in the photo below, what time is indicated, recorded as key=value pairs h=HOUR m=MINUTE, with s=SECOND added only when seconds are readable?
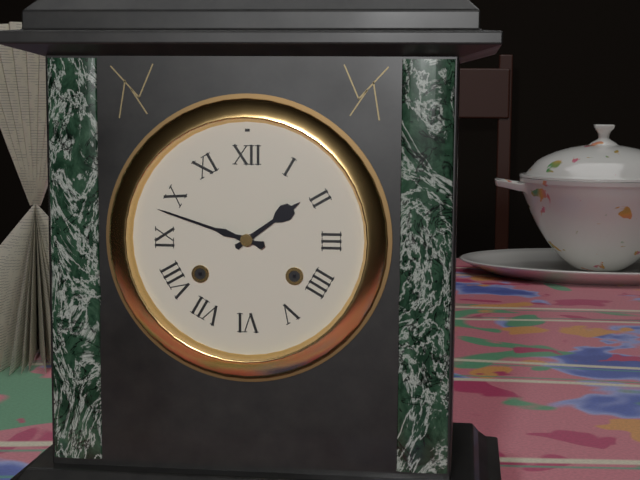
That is h=1 m=48
